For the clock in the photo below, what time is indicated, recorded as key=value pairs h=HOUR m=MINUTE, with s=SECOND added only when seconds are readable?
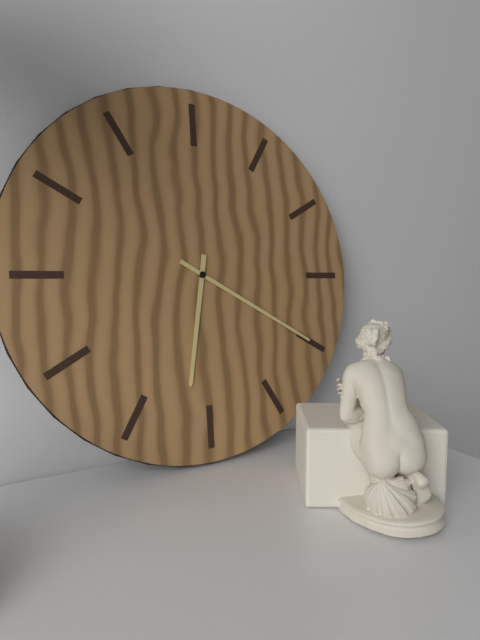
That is h=6 m=20
